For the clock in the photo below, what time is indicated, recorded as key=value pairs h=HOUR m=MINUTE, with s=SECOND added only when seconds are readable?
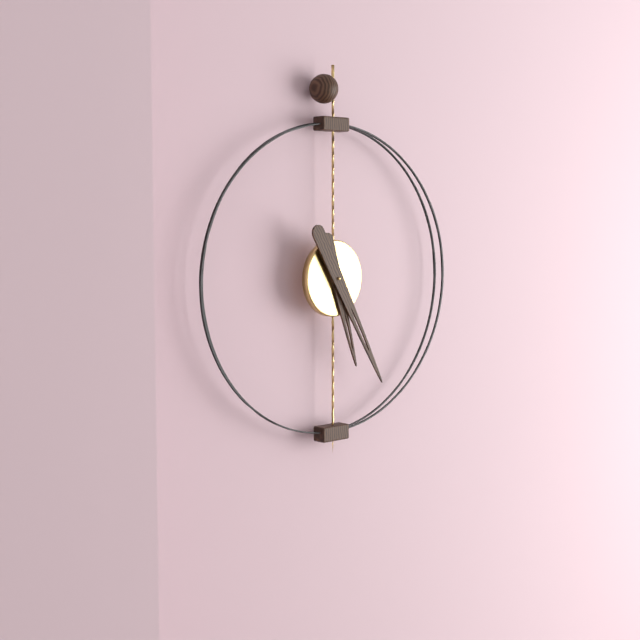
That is h=5 m=25
